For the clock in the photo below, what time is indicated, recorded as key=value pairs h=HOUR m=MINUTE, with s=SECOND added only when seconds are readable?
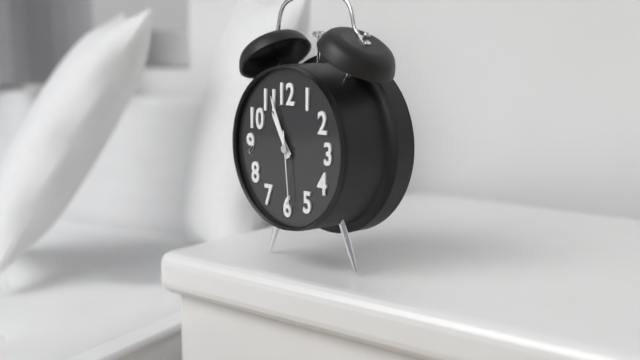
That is h=10 m=56 s=29
